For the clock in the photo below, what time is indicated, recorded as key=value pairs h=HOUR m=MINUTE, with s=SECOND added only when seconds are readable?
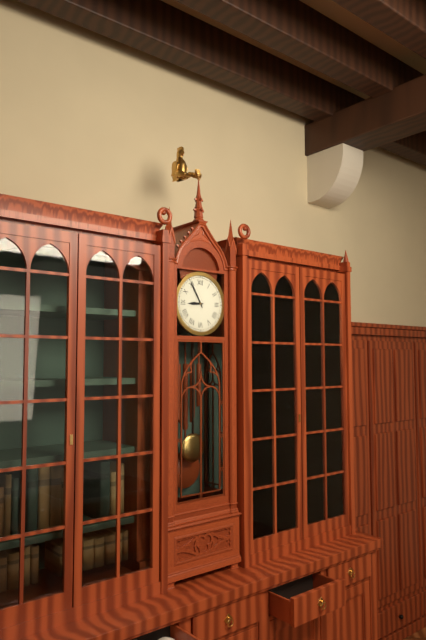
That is h=8 m=55
